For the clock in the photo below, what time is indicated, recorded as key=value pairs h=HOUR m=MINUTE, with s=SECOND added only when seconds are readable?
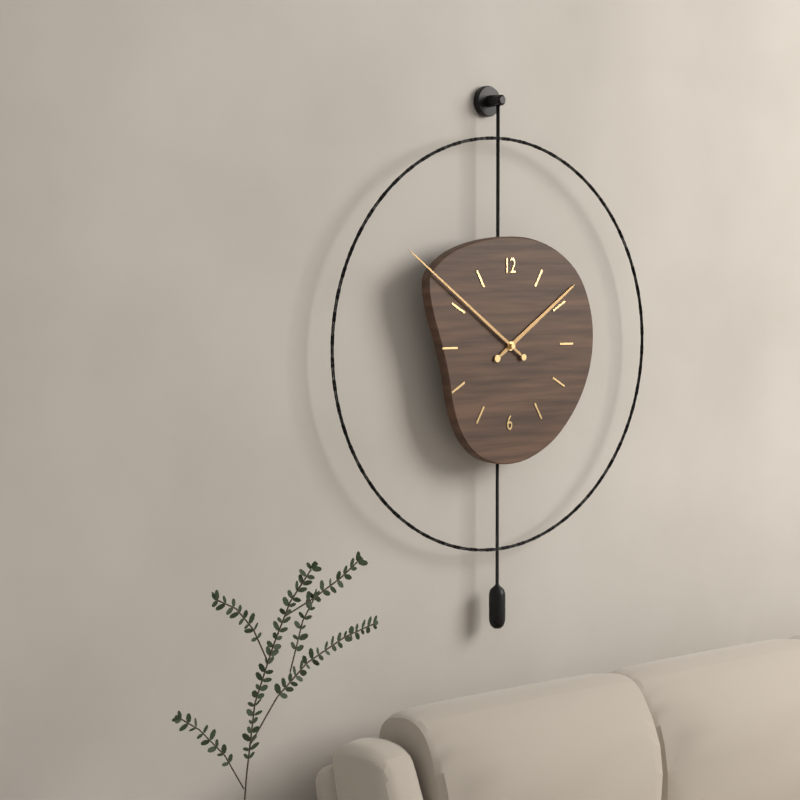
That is h=1 m=51
